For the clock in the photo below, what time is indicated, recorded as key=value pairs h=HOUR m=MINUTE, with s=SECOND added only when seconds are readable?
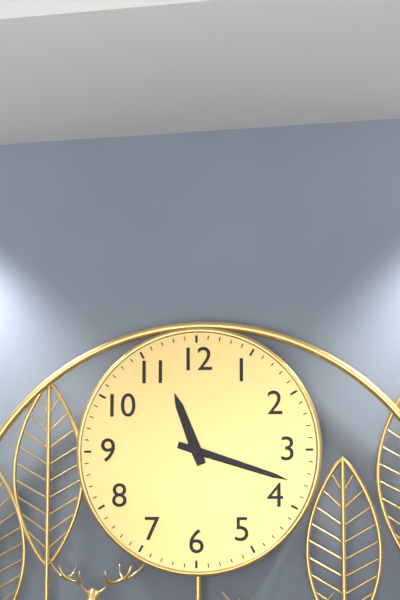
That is h=11 m=18
